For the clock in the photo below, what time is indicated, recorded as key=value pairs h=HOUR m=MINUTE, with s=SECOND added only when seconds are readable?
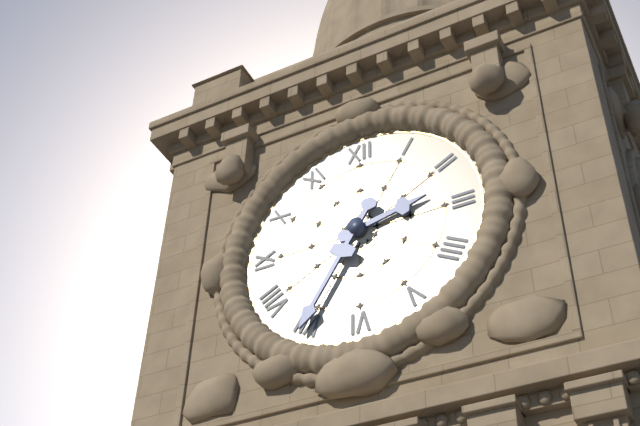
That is h=2 m=35
